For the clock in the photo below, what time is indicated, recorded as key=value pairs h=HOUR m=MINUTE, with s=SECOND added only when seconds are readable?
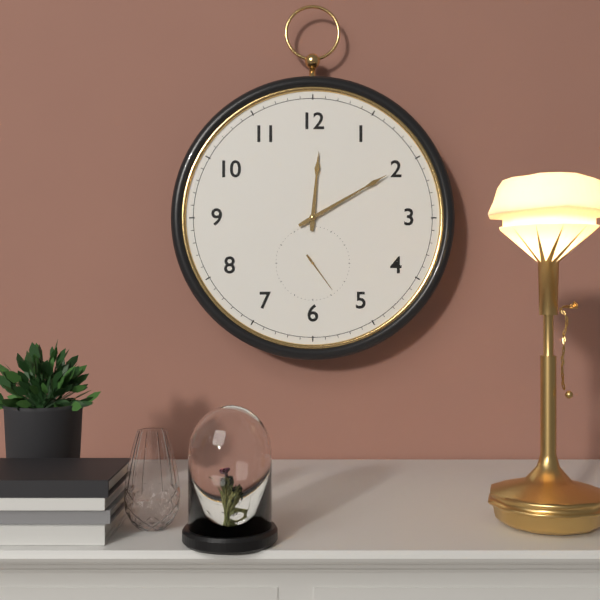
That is h=12 m=10
